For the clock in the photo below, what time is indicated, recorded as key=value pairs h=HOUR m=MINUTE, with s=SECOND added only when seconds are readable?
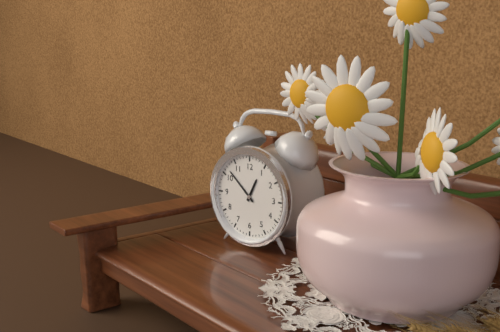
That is h=12 m=52
